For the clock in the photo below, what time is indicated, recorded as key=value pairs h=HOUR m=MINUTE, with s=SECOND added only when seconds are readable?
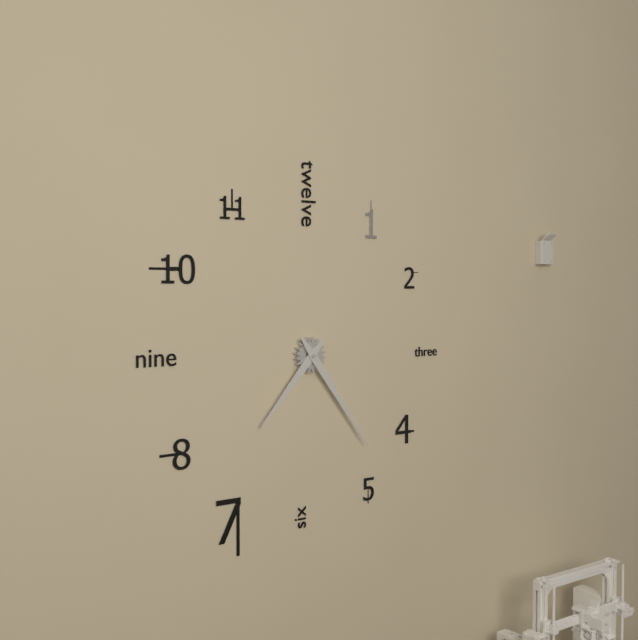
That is h=7 m=24
